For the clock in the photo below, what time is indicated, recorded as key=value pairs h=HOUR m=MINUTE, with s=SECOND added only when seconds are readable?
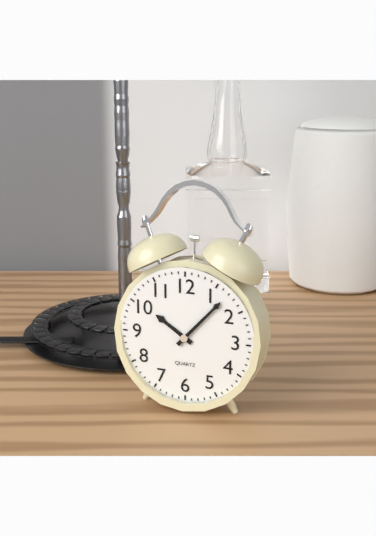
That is h=10 m=7
